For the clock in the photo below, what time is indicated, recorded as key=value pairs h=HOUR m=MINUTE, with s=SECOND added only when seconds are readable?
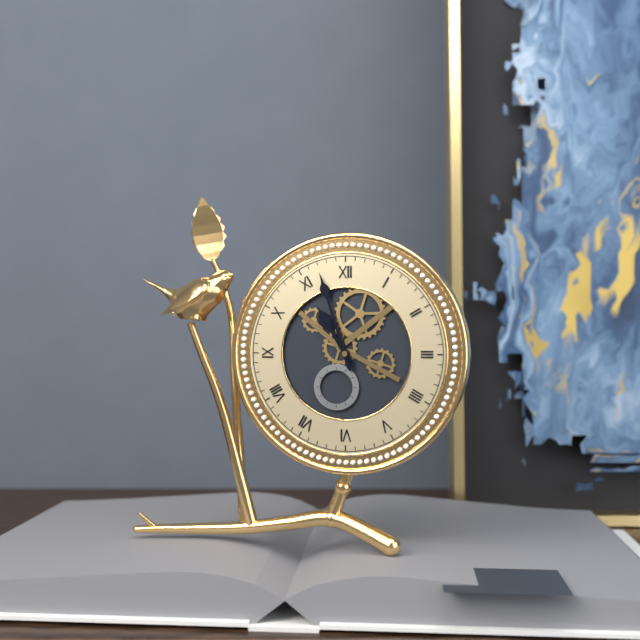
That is h=10 m=57
